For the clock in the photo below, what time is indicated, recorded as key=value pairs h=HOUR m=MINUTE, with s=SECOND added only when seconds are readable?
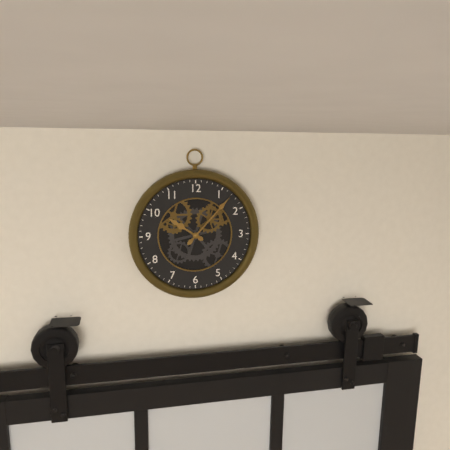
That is h=10 m=7
